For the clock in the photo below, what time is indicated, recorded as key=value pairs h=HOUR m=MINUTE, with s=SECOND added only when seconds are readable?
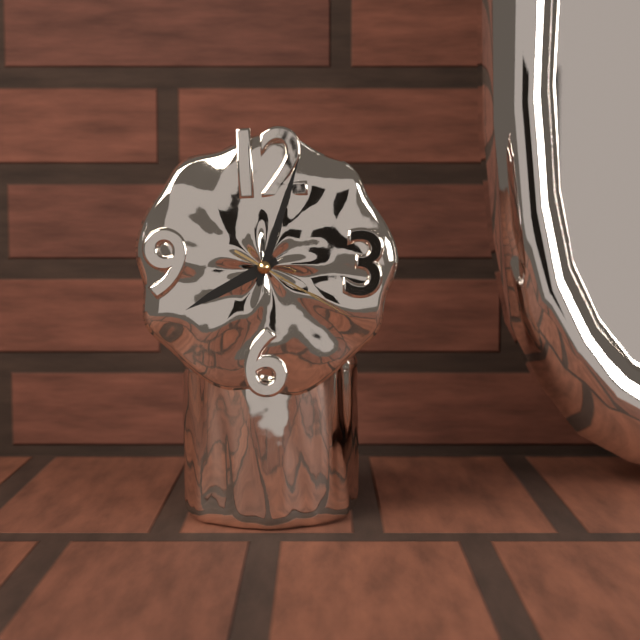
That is h=8 m=3 s=20
